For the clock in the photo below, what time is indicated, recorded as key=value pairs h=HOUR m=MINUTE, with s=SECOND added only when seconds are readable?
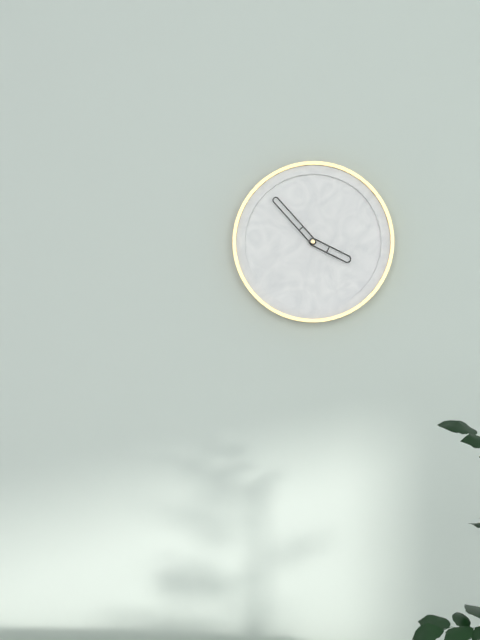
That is h=3 m=53
